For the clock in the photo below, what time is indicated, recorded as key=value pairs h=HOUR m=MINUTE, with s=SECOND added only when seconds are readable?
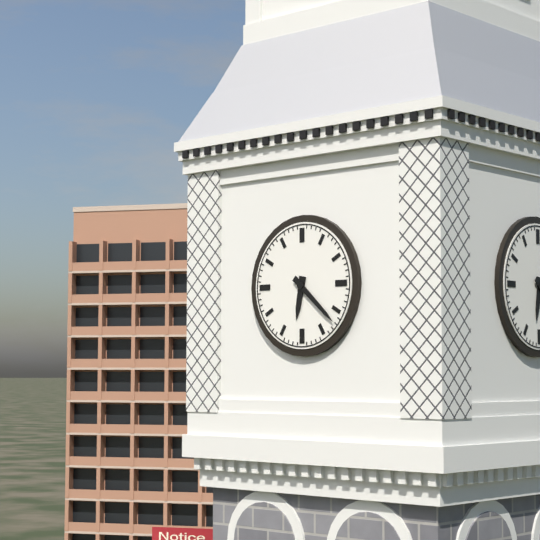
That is h=6 m=22
